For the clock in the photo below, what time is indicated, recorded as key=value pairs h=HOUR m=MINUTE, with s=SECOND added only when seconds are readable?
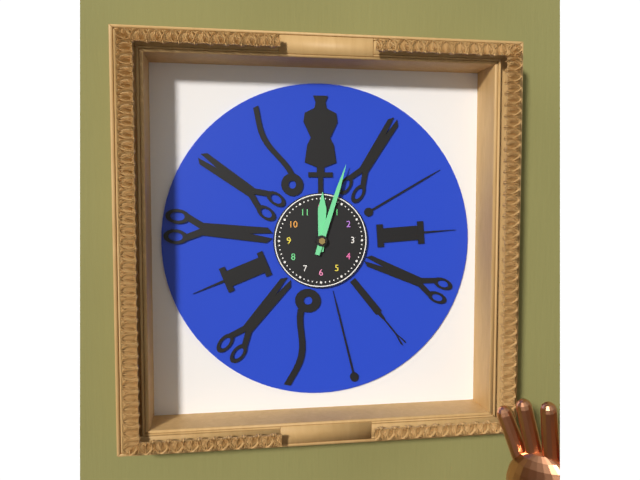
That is h=12 m=3
